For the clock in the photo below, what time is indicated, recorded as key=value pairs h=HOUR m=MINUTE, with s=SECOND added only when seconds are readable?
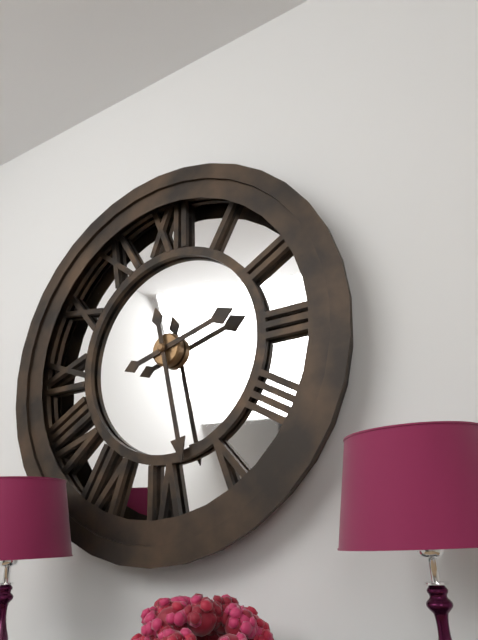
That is h=2 m=28
